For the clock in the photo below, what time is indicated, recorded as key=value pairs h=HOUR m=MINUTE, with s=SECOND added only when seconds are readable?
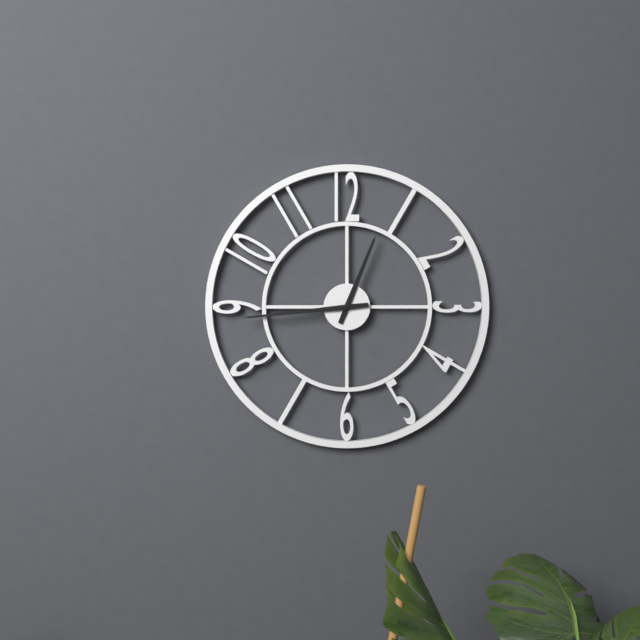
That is h=12 m=44
